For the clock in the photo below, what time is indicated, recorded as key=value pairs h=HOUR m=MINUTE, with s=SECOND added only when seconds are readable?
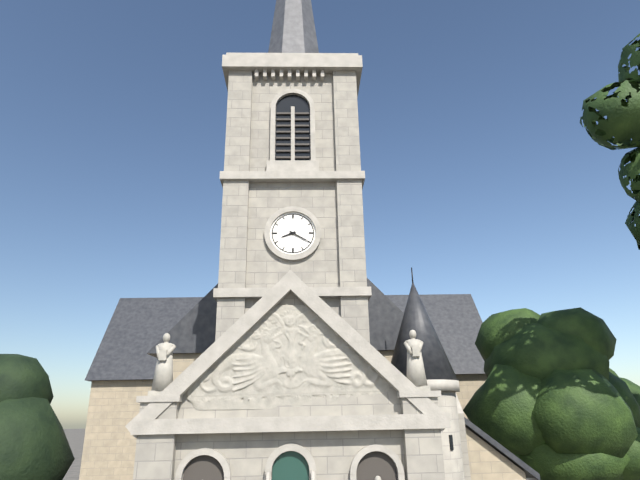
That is h=8 m=20
